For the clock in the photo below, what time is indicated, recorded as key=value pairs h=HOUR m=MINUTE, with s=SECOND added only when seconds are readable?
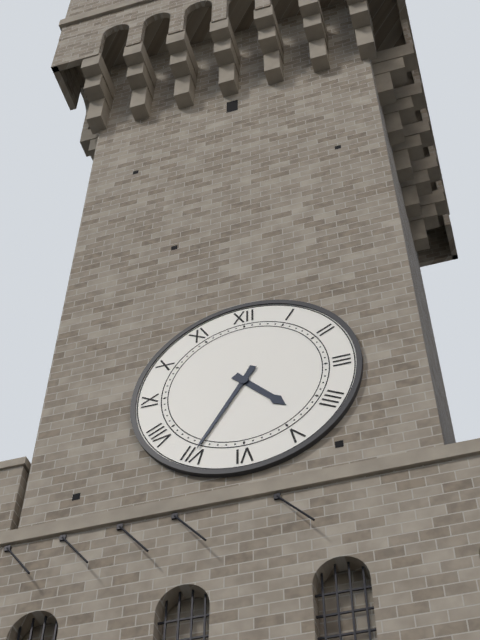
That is h=4 m=35
